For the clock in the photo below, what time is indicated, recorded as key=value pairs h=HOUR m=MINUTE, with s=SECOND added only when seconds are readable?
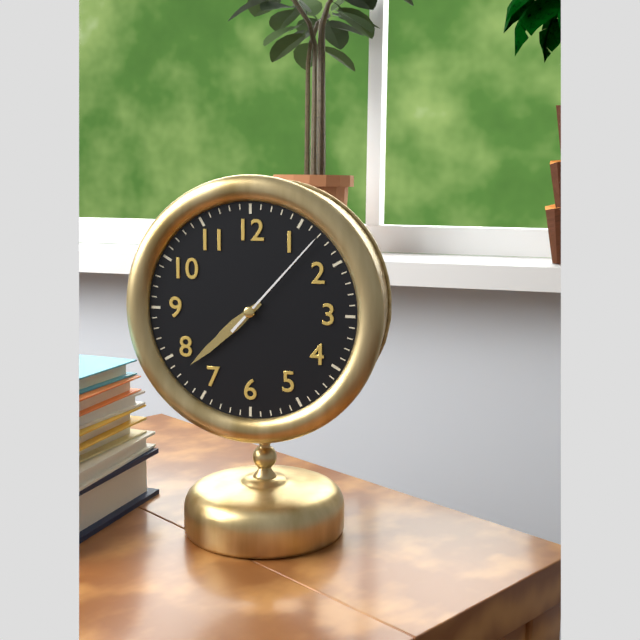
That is h=7 m=38 s=7
